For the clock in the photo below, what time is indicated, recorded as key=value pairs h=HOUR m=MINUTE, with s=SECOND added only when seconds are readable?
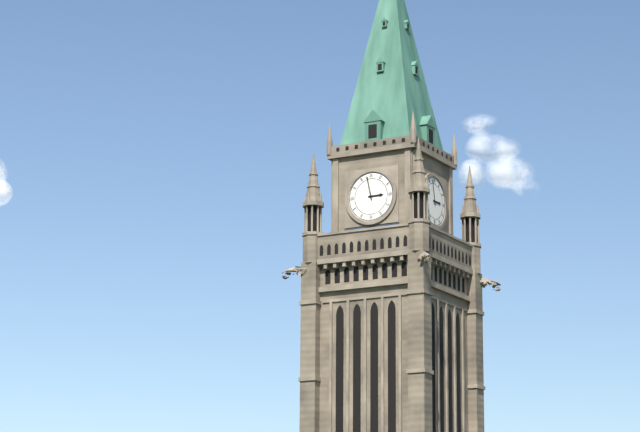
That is h=2 m=58
